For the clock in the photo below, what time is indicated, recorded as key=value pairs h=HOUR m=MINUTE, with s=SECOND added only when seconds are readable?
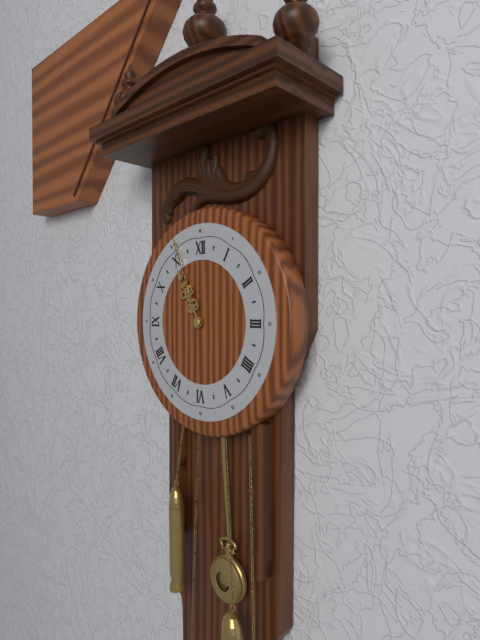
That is h=10 m=56
